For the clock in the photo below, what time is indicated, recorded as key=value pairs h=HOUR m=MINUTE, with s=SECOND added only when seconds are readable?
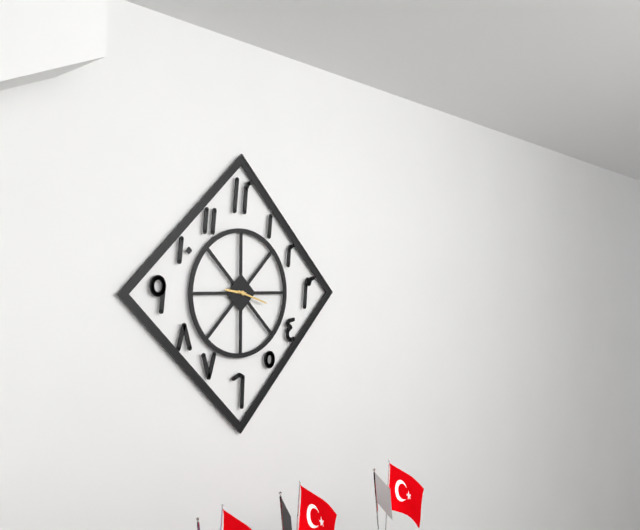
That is h=9 m=18
